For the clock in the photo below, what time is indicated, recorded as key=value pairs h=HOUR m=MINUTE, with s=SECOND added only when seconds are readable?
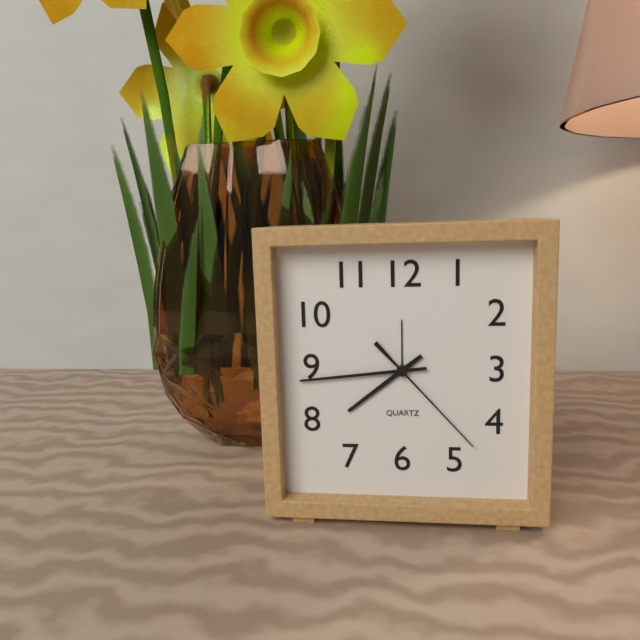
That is h=7 m=44 s=23
